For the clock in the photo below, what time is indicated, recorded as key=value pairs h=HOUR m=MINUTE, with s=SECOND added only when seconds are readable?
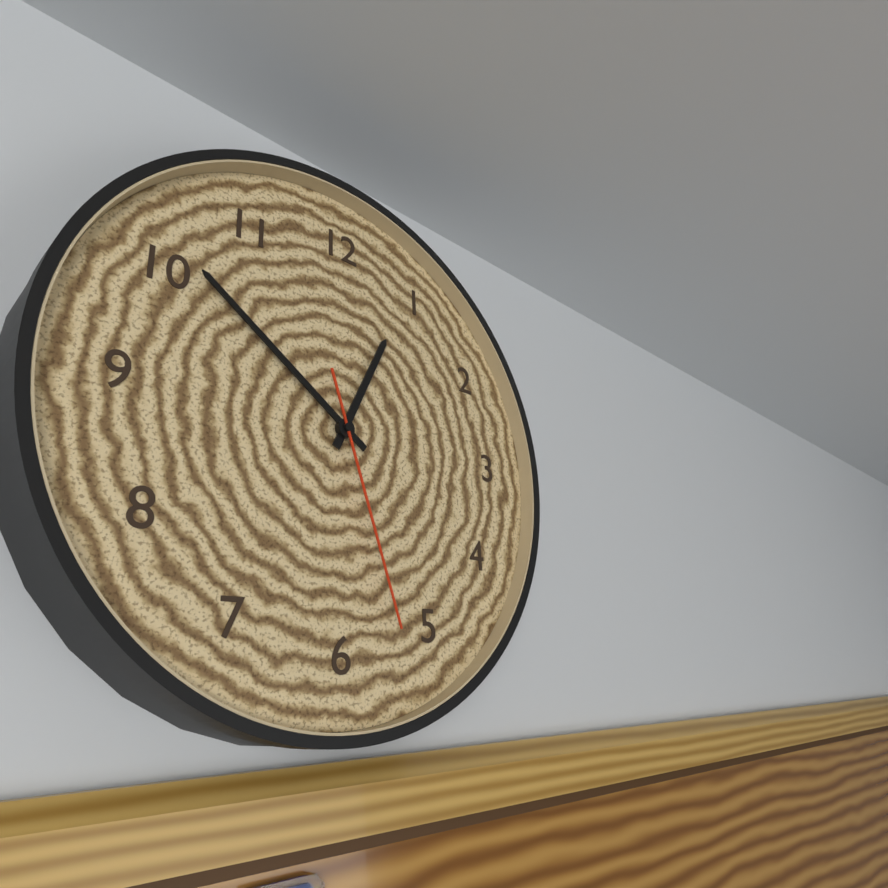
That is h=12 m=51 s=27
